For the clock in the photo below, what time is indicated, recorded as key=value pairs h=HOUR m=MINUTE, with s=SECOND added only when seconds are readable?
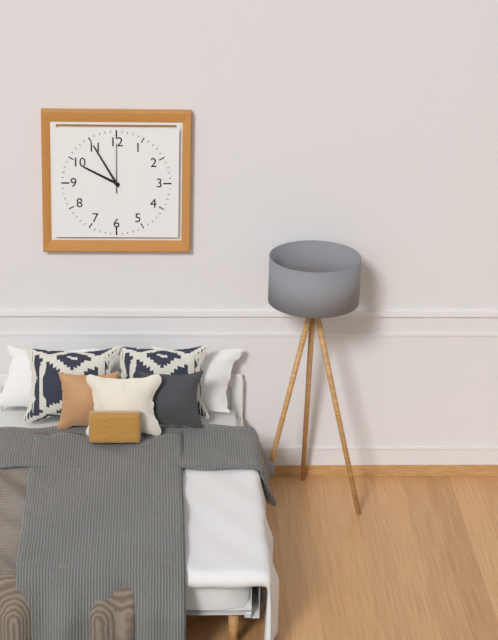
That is h=9 m=55
